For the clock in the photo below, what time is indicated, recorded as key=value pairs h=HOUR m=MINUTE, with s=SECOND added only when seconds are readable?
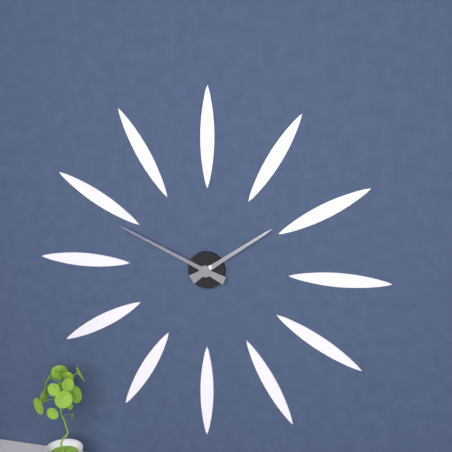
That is h=1 m=49
